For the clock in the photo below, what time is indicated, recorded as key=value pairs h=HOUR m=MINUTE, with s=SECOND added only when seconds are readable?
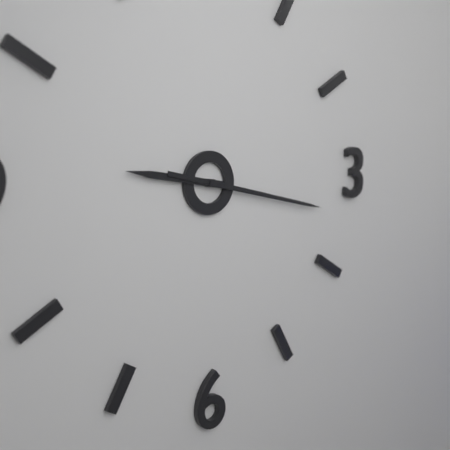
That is h=9 m=17
